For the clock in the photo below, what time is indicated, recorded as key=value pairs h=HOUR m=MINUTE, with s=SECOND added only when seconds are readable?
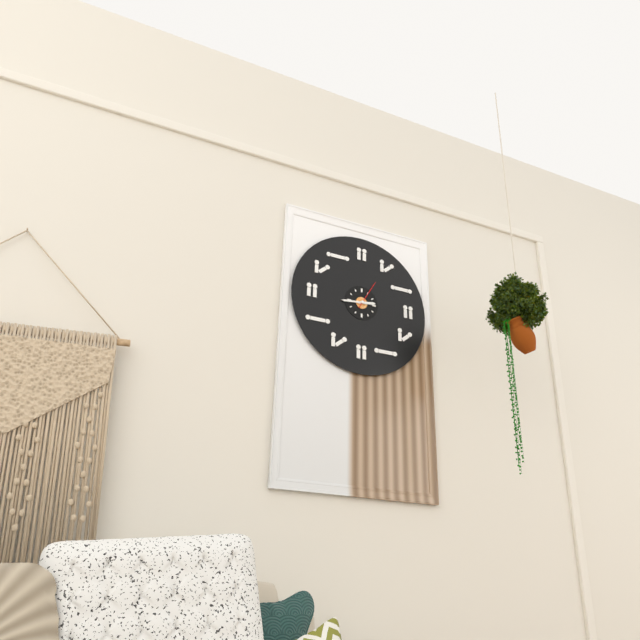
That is h=2 m=44
